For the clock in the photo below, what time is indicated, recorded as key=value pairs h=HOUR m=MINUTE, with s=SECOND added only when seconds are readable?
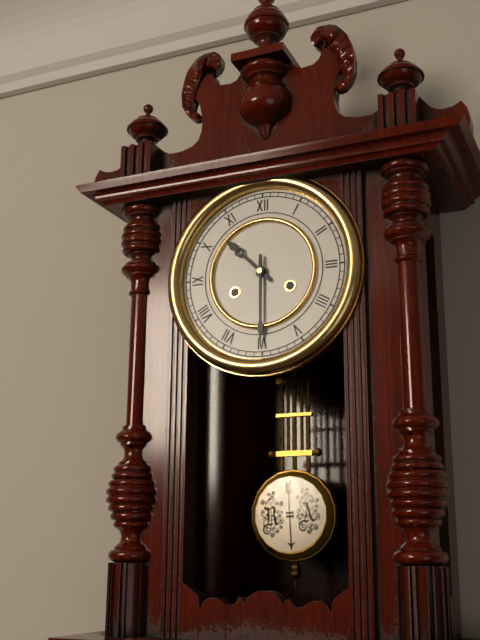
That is h=10 m=30
